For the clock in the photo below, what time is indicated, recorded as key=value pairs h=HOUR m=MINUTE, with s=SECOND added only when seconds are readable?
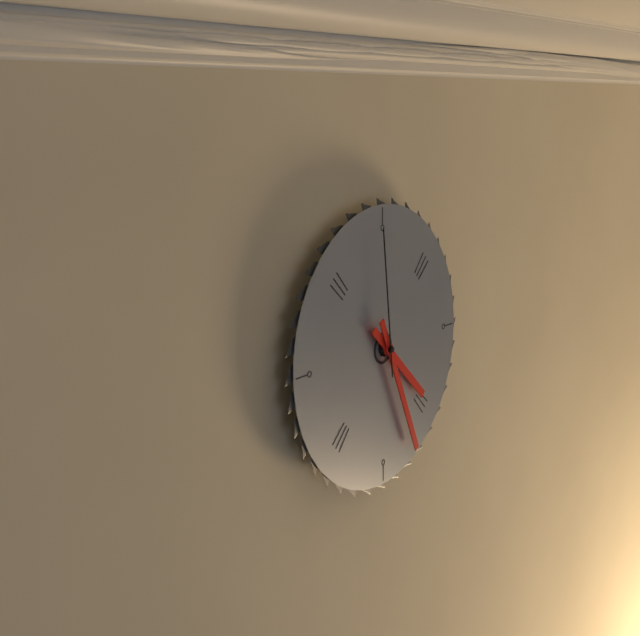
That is h=4 m=26 s=59
